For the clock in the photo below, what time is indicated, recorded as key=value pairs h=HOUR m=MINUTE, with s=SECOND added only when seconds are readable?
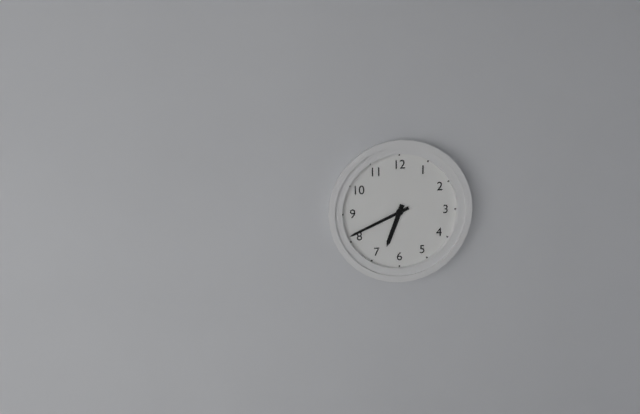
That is h=6 m=41
